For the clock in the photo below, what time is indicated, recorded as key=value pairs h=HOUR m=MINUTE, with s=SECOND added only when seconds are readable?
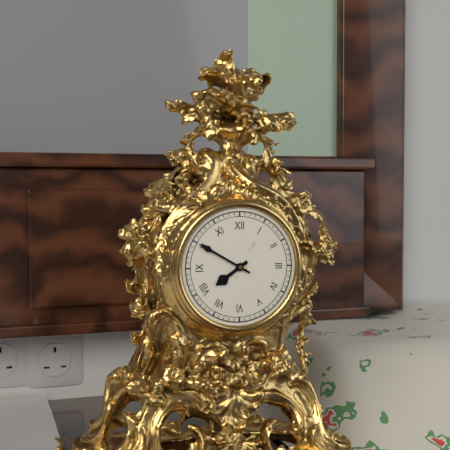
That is h=7 m=50
